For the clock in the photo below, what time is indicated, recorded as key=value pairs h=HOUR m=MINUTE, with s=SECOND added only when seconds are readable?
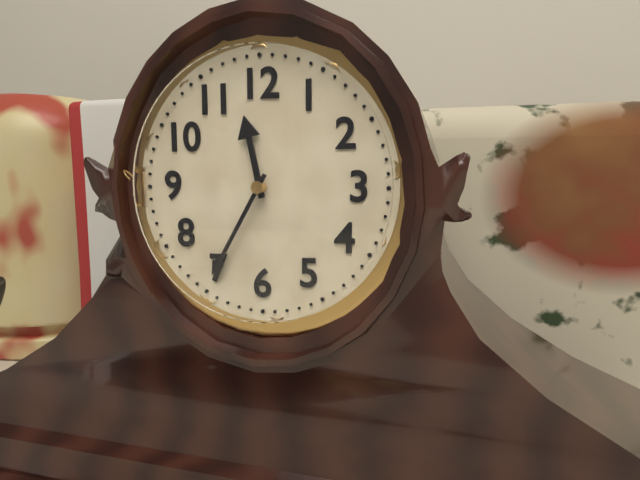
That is h=11 m=35
